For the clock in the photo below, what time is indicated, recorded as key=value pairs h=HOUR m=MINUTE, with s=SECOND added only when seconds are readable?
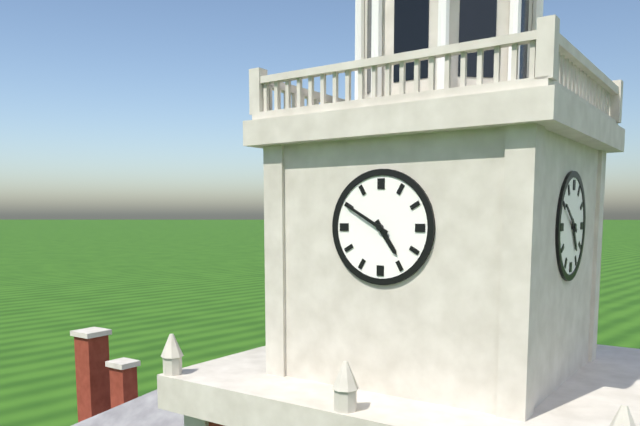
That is h=4 m=50
